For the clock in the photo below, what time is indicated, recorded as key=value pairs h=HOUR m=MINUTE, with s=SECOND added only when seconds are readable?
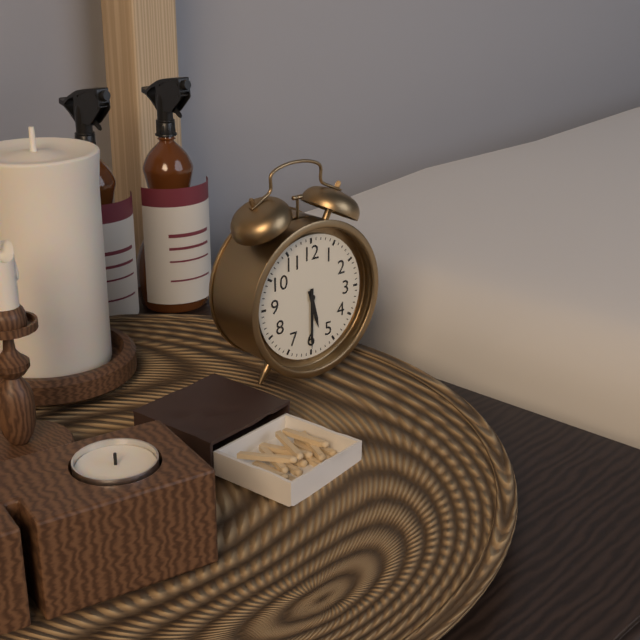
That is h=5 m=30
